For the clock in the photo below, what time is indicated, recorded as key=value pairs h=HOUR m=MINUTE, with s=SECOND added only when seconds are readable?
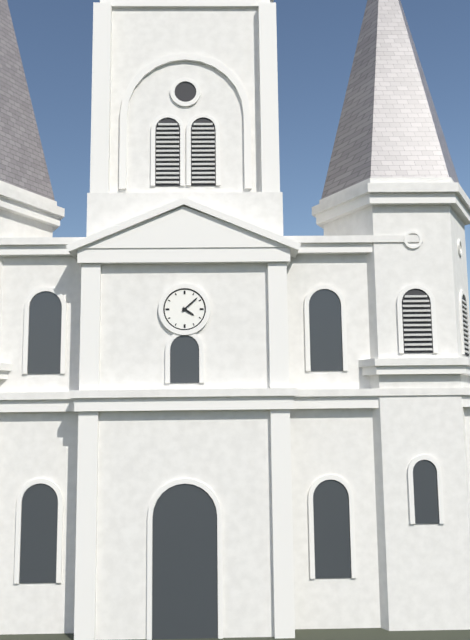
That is h=4 m=8
